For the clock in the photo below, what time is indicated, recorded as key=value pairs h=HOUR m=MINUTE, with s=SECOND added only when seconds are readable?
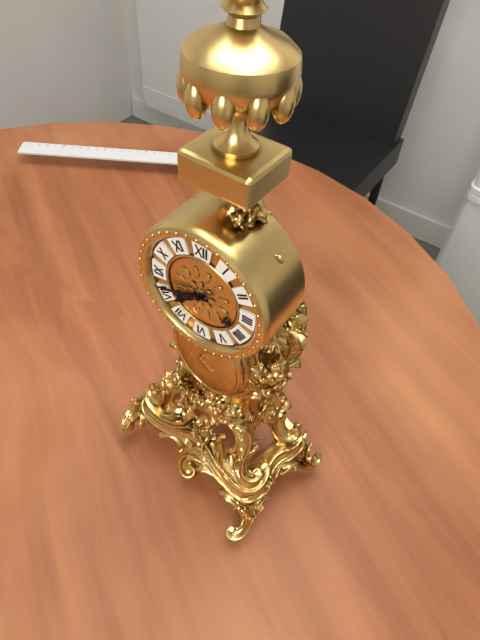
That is h=7 m=42
